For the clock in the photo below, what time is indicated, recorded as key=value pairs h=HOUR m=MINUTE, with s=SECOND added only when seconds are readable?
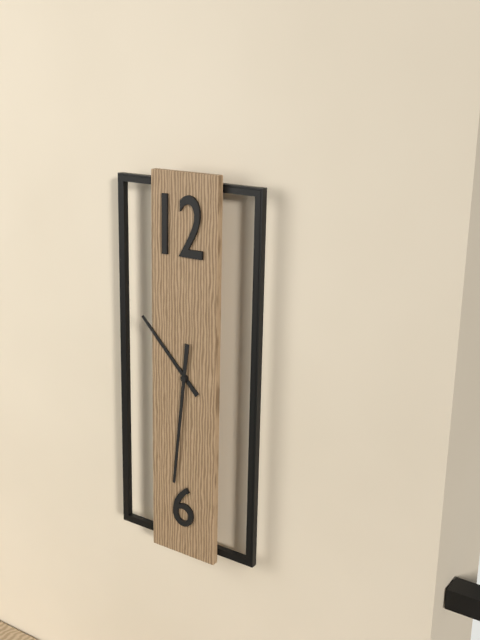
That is h=10 m=31
